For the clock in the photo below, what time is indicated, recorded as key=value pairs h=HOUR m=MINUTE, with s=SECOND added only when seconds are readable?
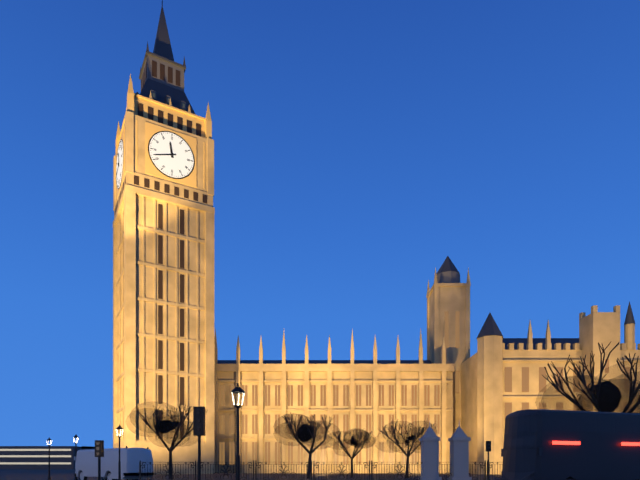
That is h=11 m=42
